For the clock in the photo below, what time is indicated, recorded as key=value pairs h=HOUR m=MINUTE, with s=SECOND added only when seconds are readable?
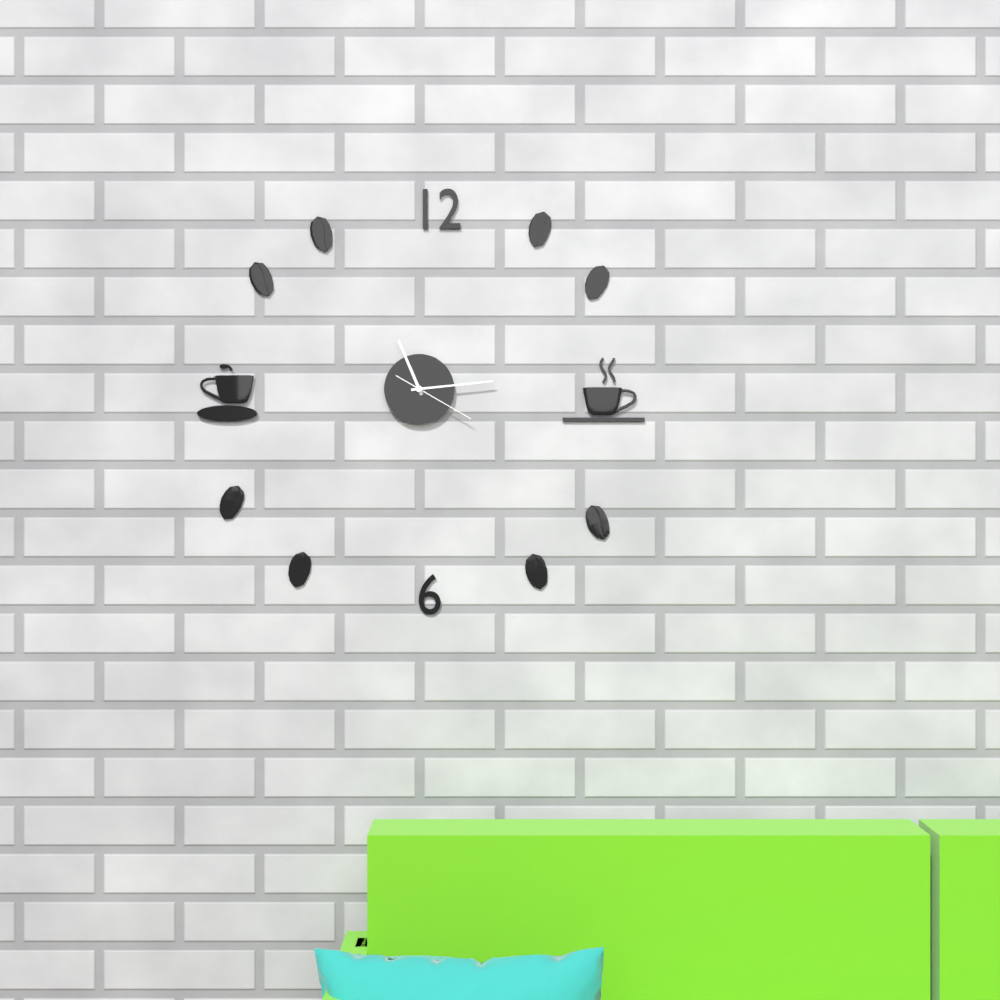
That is h=11 m=14 s=20
